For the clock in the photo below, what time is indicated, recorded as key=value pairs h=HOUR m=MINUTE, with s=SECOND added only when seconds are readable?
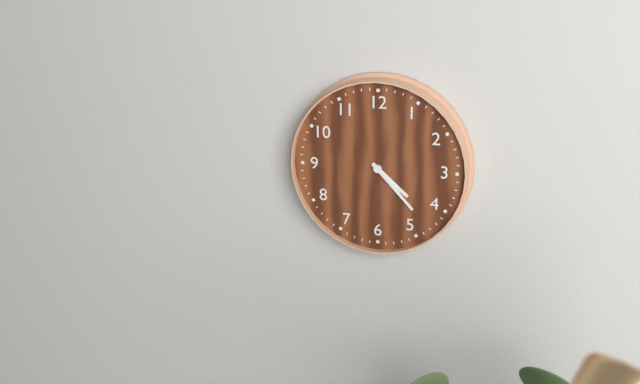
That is h=4 m=23
